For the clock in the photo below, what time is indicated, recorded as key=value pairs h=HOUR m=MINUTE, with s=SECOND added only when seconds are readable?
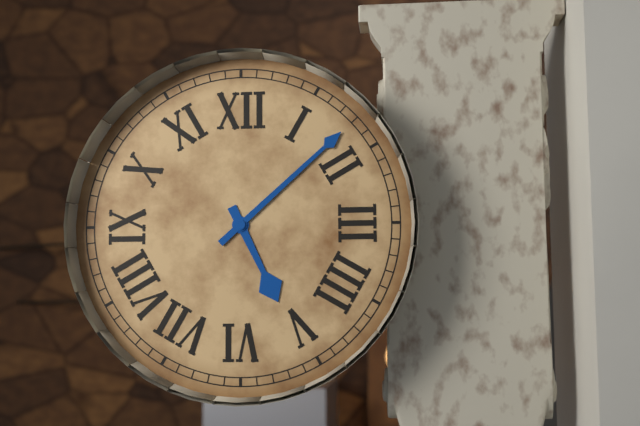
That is h=5 m=8
